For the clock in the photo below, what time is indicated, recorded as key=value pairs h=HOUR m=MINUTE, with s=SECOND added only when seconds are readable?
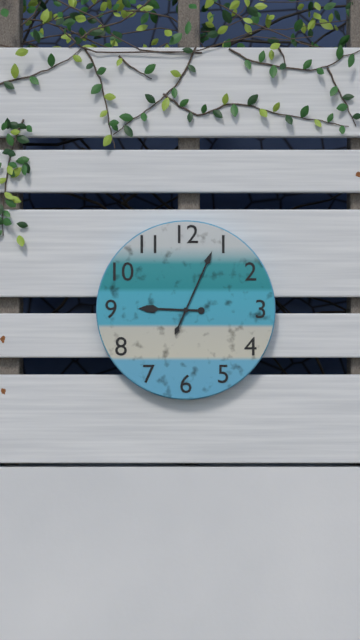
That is h=9 m=4
